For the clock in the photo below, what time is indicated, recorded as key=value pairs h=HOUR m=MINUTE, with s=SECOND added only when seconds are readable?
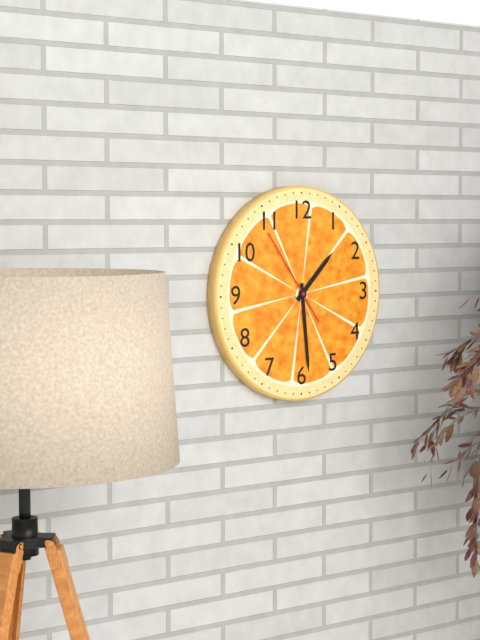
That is h=1 m=29 s=54
